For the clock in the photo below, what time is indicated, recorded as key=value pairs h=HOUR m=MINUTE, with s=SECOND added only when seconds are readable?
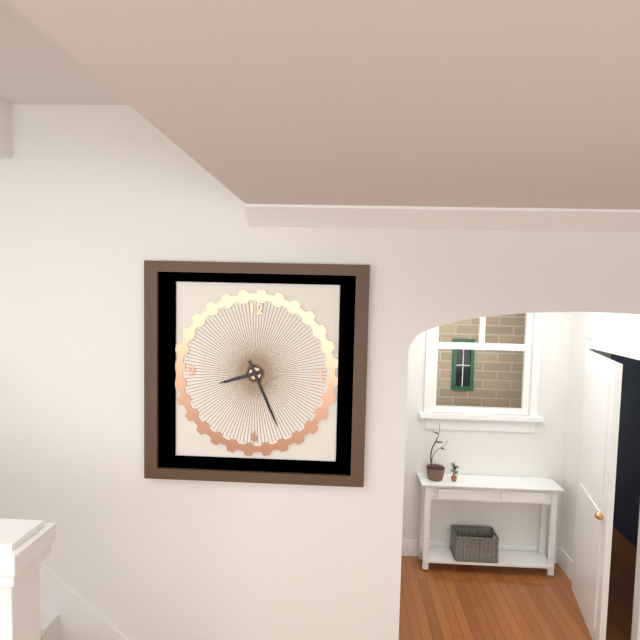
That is h=8 m=26
